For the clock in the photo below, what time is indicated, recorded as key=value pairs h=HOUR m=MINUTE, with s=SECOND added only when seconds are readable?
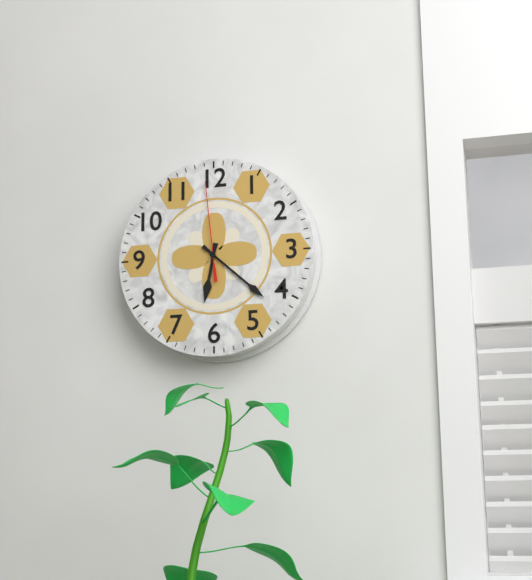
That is h=6 m=22 s=59
